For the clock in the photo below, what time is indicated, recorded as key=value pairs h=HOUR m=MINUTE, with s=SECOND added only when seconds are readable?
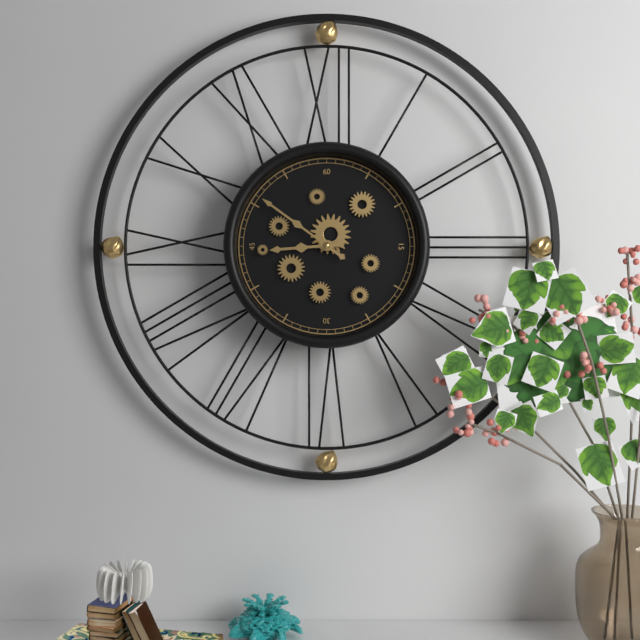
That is h=8 m=51
